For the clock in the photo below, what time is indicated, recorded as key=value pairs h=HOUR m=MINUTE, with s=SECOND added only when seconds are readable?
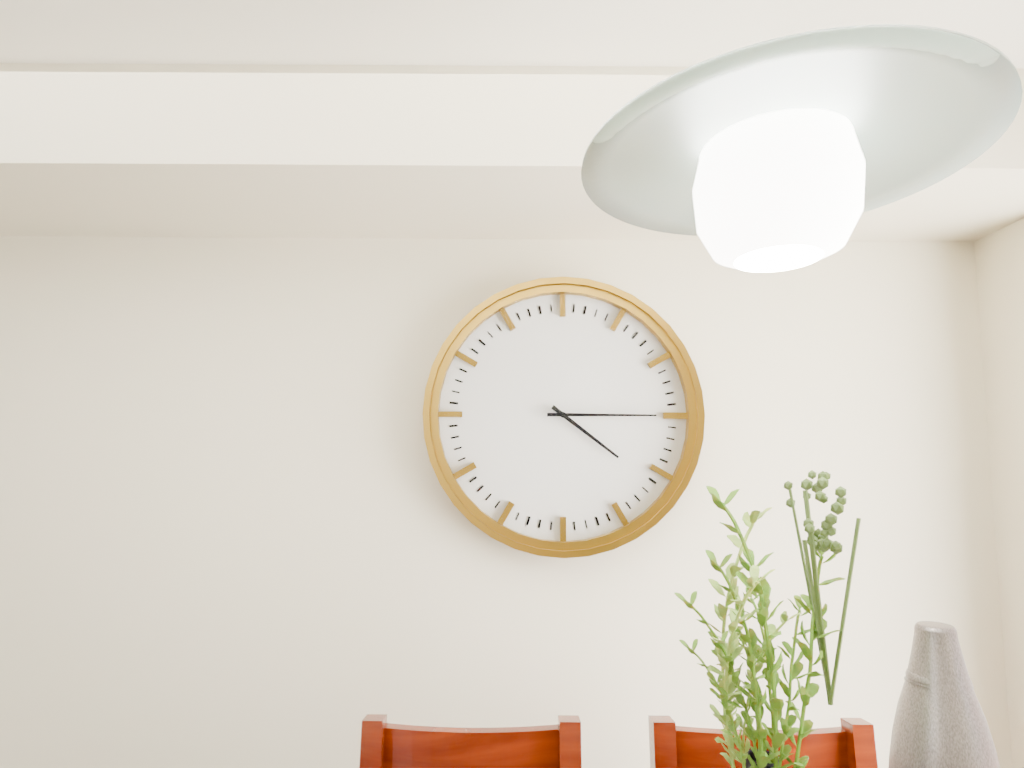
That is h=4 m=15
